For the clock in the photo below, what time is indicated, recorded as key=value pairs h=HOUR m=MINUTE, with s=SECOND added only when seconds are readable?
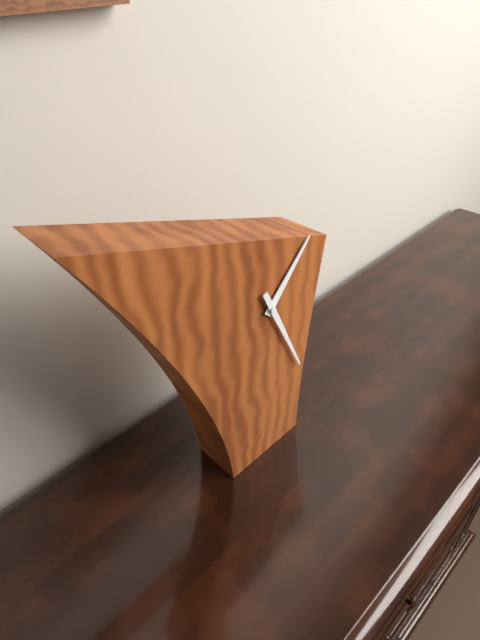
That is h=1 m=26
